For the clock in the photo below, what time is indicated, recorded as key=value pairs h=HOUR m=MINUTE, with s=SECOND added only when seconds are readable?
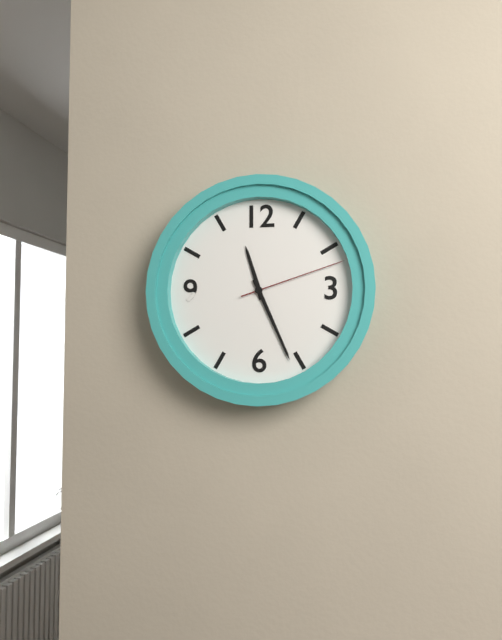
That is h=11 m=26 s=12
